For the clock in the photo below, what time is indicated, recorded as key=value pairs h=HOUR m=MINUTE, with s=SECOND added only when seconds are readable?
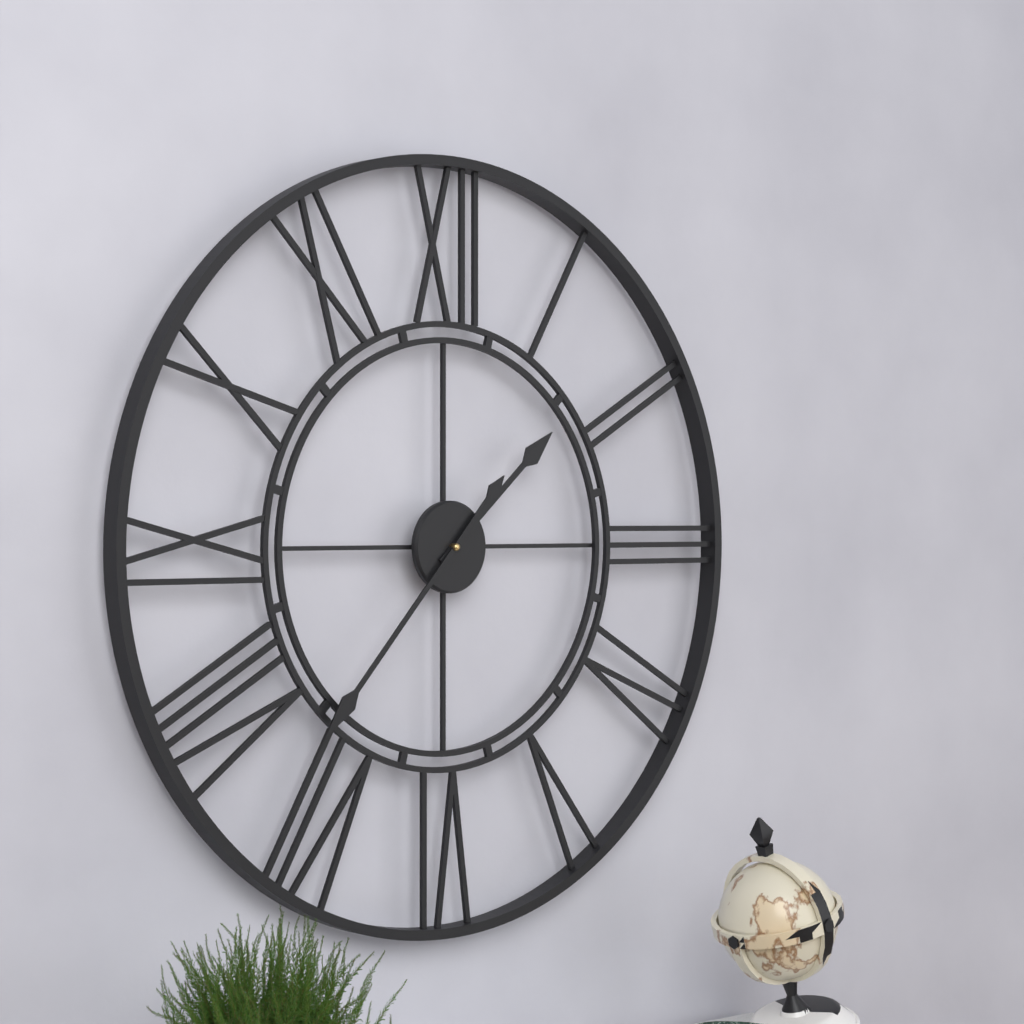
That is h=1 m=37
